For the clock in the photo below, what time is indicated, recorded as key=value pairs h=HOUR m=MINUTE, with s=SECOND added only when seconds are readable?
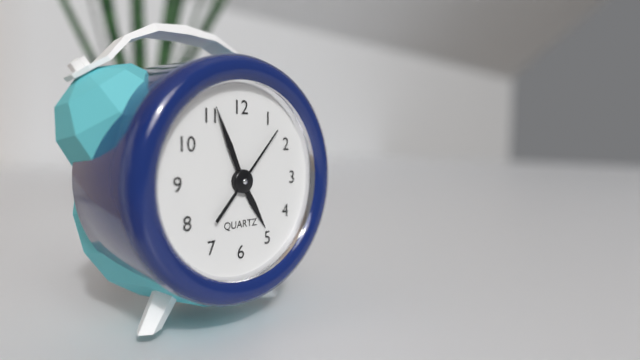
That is h=4 m=56 s=7
